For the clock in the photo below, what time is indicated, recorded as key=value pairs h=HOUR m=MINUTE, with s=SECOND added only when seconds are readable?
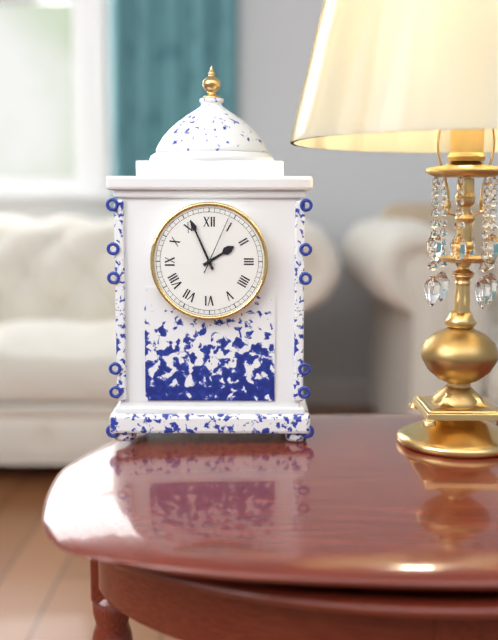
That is h=1 m=56 s=4
